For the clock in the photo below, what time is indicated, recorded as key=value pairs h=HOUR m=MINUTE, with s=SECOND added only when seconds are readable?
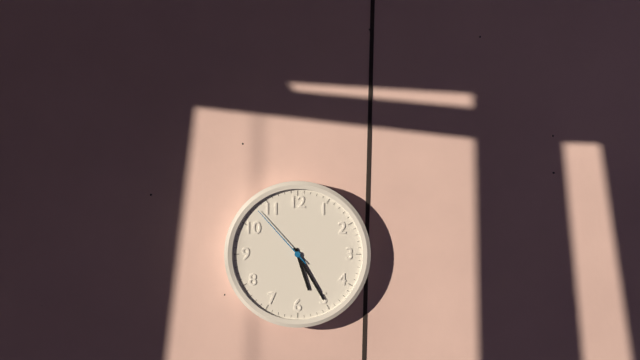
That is h=5 m=25 s=53
